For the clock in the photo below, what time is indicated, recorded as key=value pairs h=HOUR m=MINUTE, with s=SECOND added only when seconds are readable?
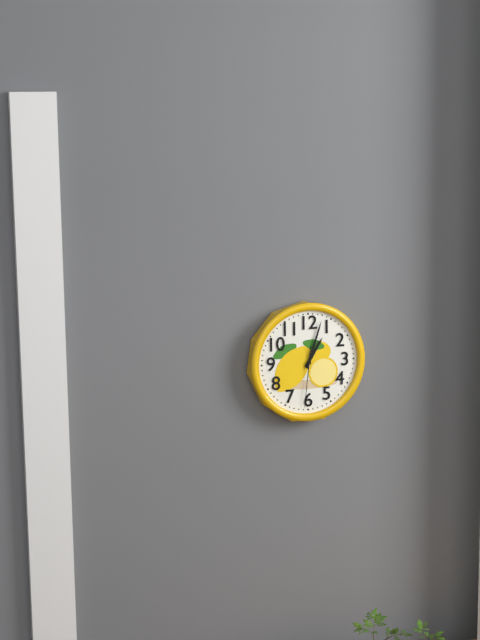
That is h=1 m=3 s=31
